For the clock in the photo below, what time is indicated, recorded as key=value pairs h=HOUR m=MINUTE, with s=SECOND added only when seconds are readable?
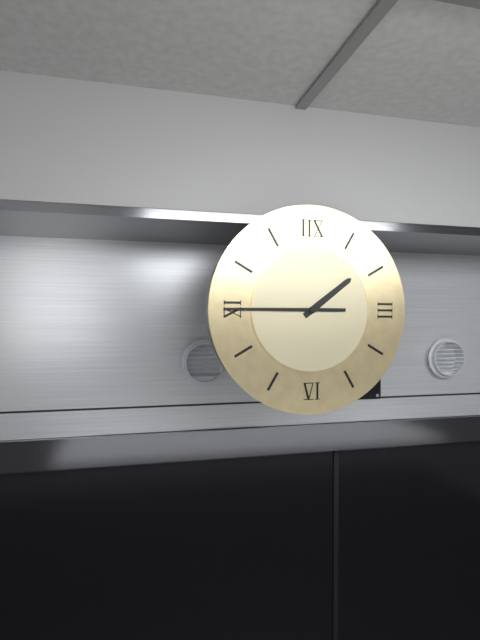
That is h=1 m=45
